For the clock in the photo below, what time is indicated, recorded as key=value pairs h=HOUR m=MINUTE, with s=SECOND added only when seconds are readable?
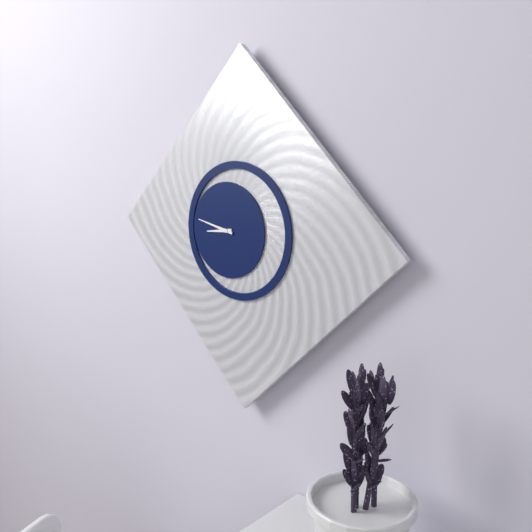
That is h=8 m=47
